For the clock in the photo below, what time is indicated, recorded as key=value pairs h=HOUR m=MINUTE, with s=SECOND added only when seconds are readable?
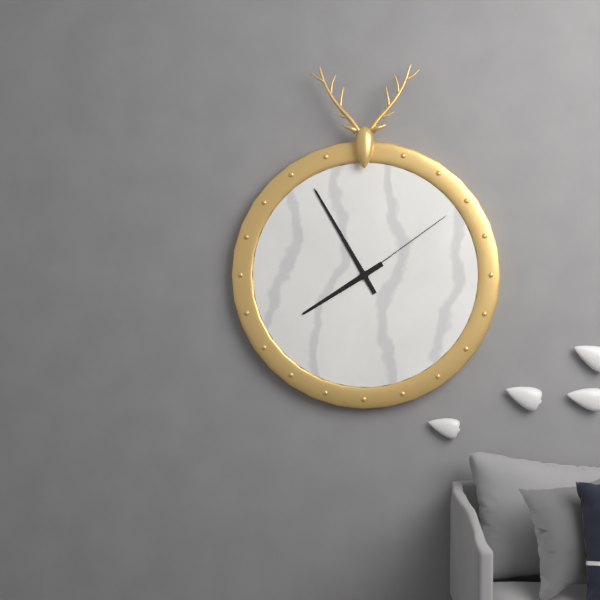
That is h=7 m=55 s=9
